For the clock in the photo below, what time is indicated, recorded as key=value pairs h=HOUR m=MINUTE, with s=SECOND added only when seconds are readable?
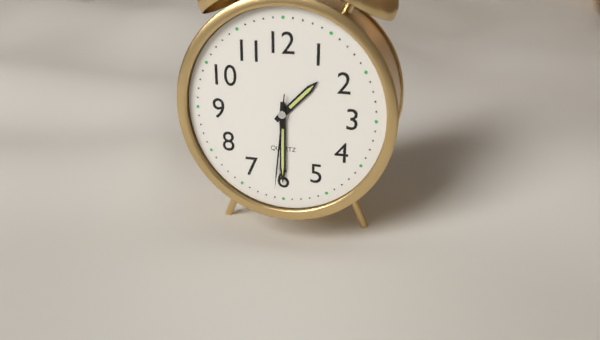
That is h=1 m=30 s=31
